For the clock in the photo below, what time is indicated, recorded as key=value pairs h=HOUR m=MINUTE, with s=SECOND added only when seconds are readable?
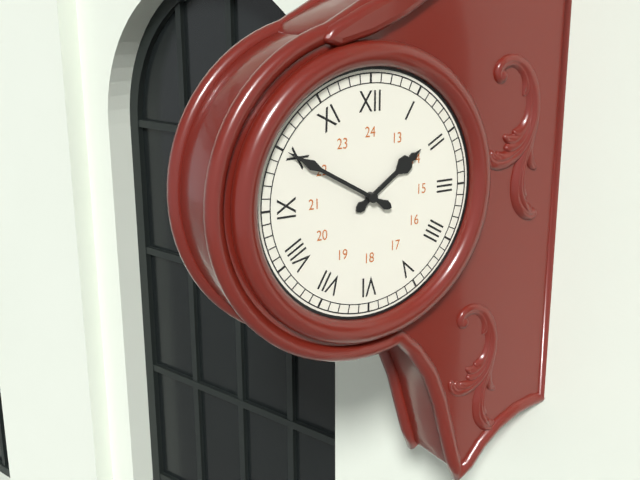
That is h=1 m=50
